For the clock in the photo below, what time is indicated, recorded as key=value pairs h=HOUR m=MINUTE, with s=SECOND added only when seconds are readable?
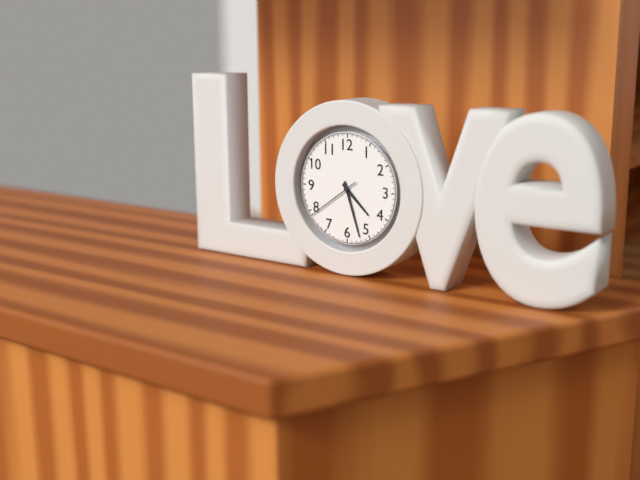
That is h=4 m=27 s=39
